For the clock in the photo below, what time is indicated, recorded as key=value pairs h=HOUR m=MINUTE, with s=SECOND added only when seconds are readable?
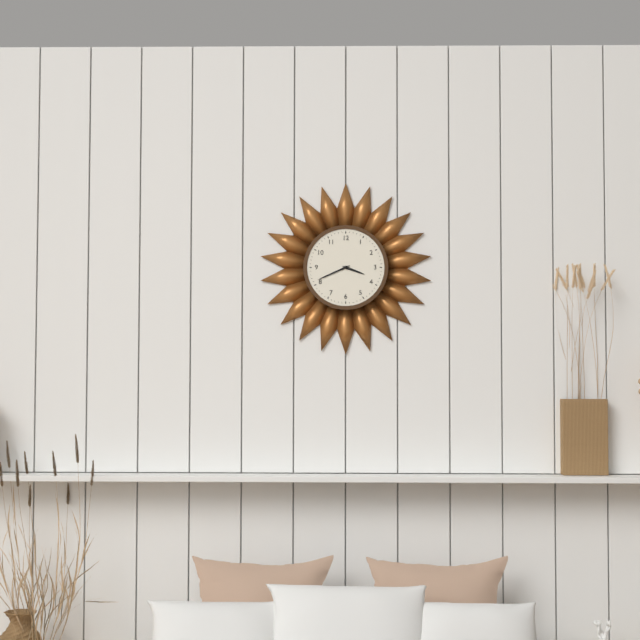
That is h=3 m=41
